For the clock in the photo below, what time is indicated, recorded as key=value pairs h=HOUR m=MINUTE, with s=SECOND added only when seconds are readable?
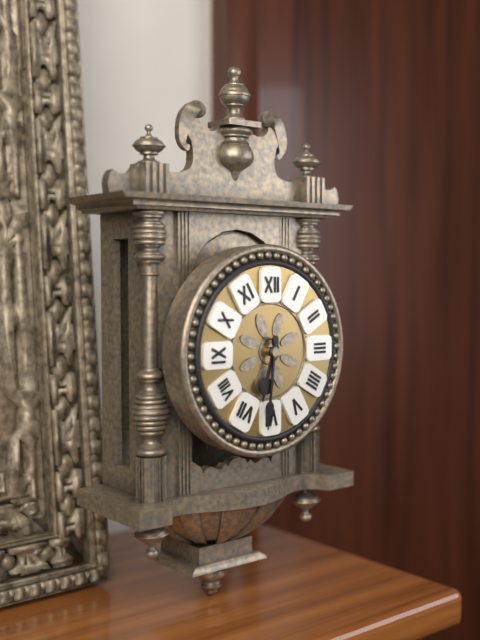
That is h=6 m=31
